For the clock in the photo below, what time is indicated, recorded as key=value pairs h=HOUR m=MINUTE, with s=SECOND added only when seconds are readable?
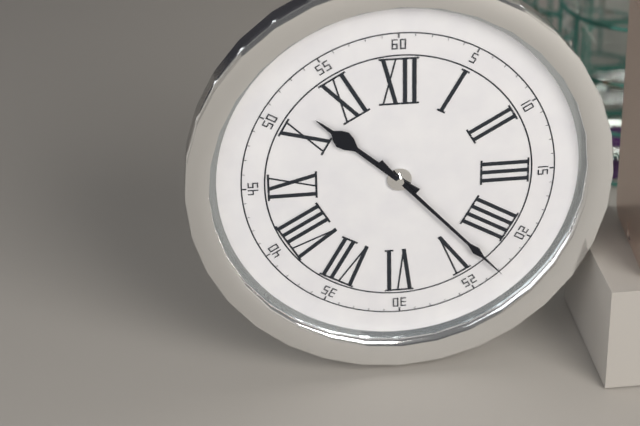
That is h=10 m=23
